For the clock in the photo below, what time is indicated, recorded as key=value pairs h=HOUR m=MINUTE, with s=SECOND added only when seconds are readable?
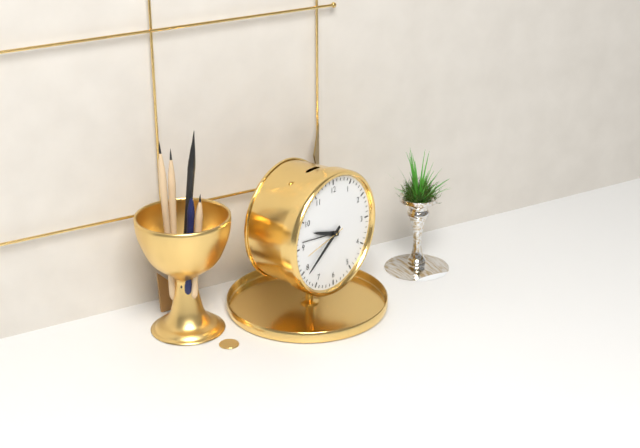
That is h=9 m=39
